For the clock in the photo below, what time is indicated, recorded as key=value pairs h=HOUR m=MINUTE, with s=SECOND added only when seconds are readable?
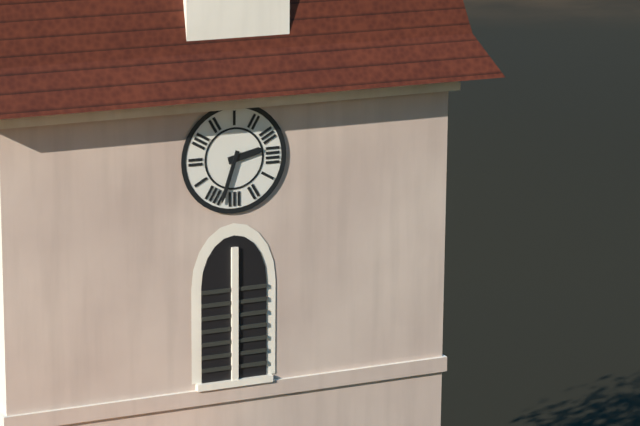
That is h=2 m=33
